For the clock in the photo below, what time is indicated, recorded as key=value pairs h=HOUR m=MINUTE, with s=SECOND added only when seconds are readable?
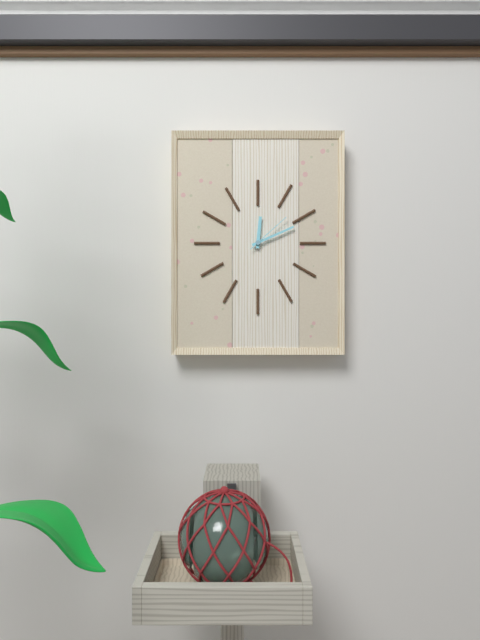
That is h=12 m=11 s=8
